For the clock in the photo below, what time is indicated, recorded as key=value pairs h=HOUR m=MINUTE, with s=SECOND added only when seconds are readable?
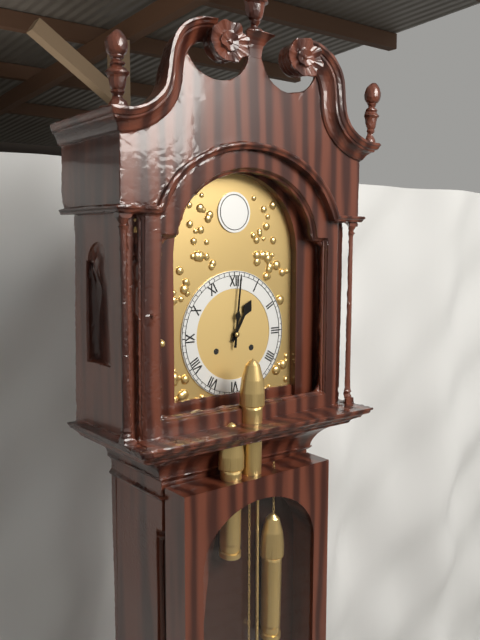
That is h=1 m=1
